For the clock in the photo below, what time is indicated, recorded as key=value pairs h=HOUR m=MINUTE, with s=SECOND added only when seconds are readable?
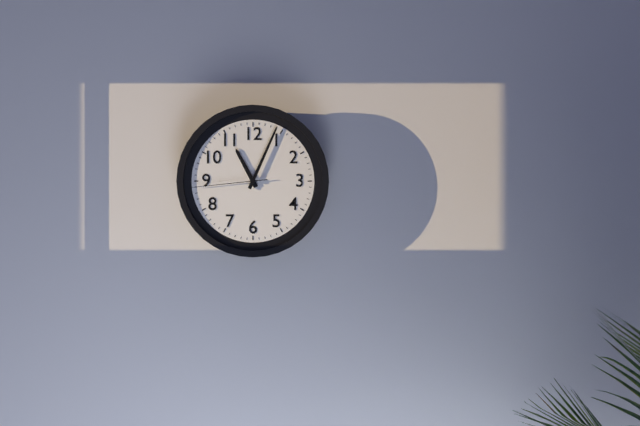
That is h=11 m=4 s=44
